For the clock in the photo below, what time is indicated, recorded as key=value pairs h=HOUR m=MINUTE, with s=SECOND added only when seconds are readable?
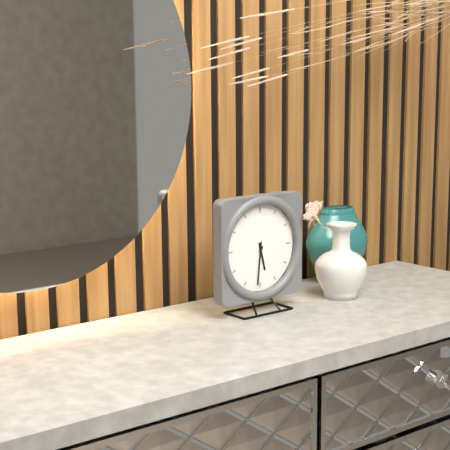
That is h=5 m=31
